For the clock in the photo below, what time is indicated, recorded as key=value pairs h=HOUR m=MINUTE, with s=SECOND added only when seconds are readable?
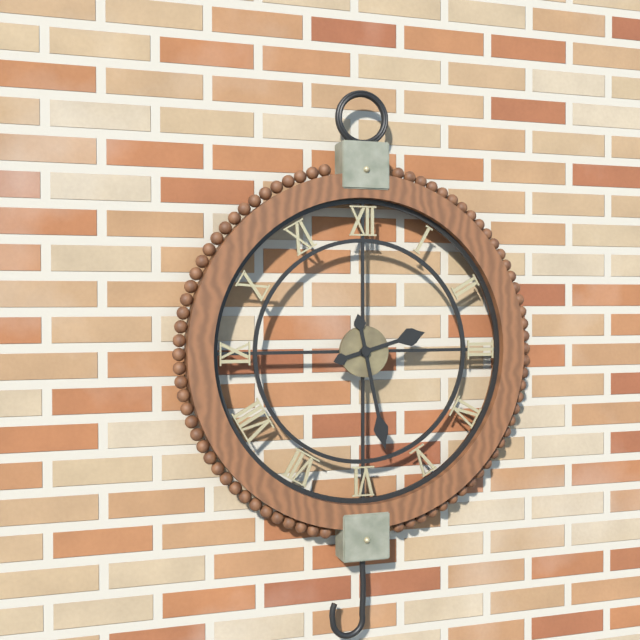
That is h=2 m=28
